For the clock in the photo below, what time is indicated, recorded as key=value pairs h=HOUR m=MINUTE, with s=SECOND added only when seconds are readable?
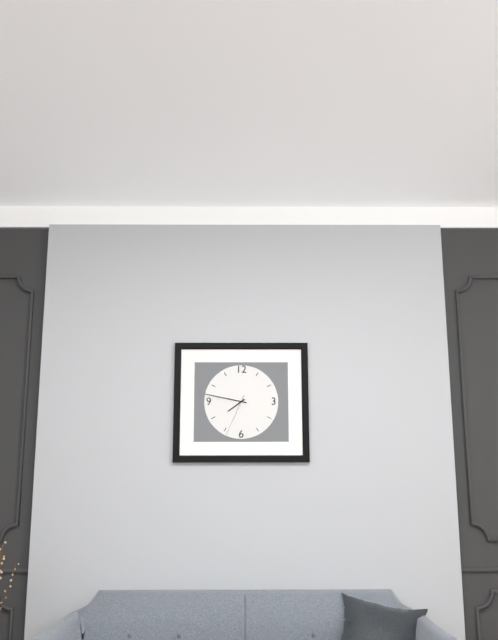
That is h=7 m=47
